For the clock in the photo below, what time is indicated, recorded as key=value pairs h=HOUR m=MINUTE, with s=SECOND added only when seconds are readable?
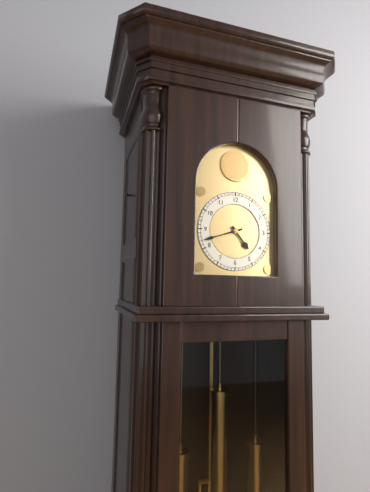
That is h=4 m=42
